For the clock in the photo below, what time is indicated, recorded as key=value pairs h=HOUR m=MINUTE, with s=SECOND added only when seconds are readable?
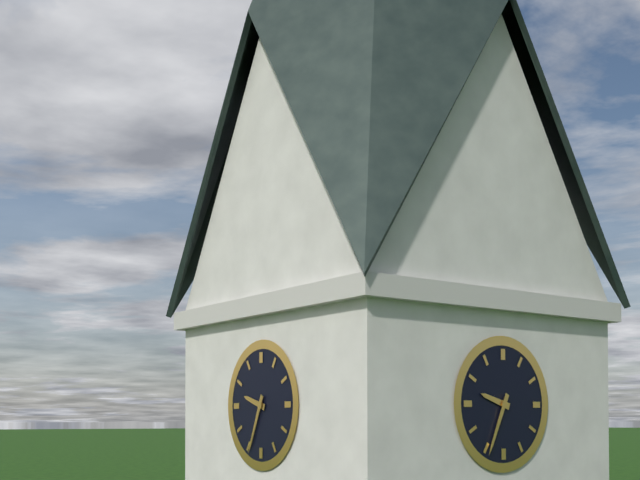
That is h=9 m=34
